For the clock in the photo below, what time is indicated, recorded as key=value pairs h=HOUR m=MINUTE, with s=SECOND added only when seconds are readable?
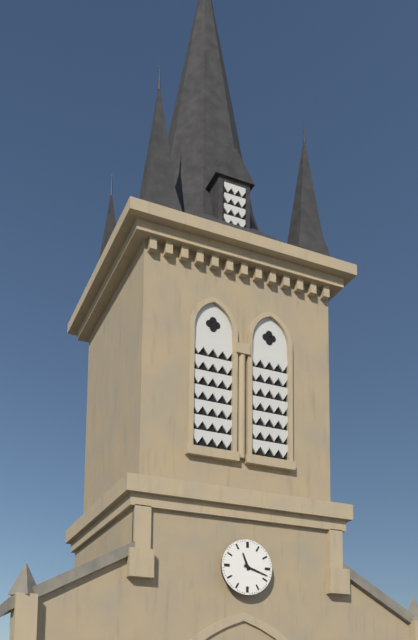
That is h=11 m=18
